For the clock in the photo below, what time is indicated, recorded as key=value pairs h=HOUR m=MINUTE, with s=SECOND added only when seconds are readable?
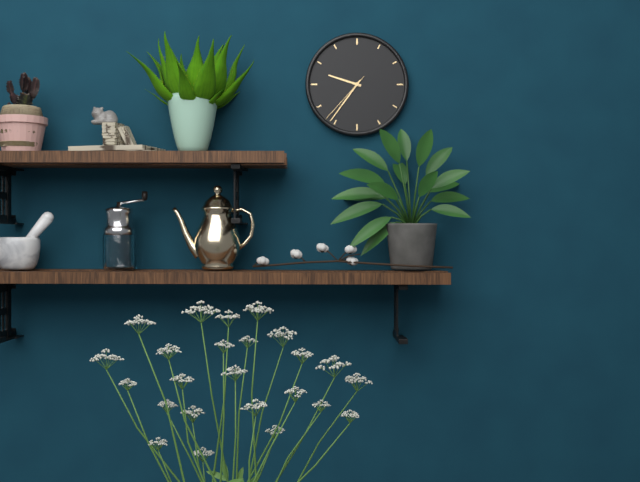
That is h=9 m=36 s=37
